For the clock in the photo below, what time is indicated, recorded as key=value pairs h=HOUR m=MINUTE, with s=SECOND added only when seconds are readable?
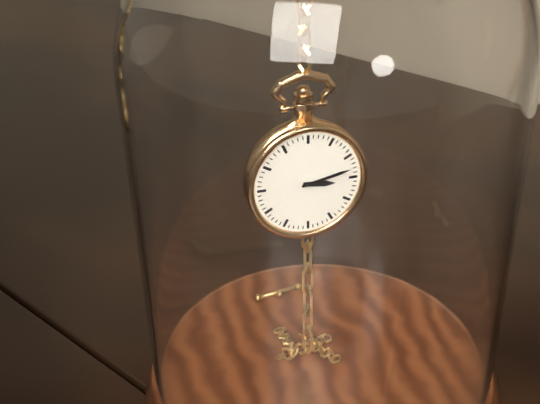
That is h=3 m=13
